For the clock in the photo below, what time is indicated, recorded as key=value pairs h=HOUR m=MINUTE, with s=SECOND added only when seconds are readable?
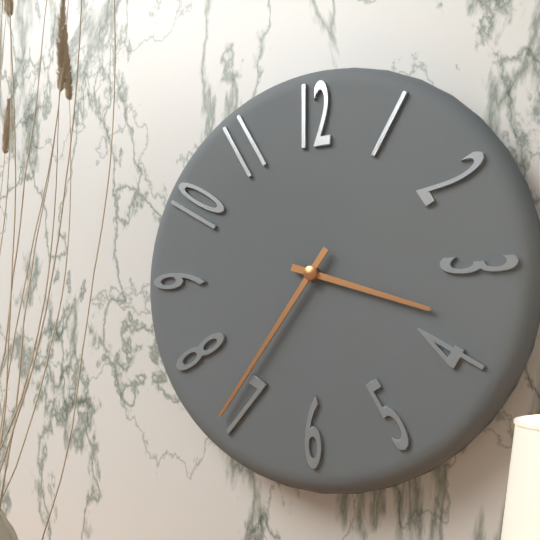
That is h=3 m=36
